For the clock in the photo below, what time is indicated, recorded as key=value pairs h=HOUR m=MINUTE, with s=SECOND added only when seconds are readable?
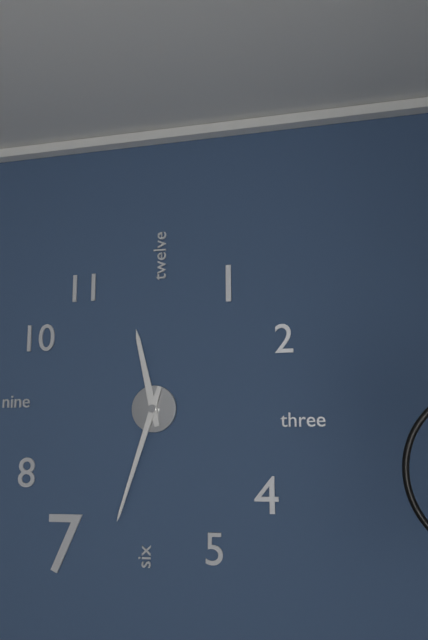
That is h=11 m=33
